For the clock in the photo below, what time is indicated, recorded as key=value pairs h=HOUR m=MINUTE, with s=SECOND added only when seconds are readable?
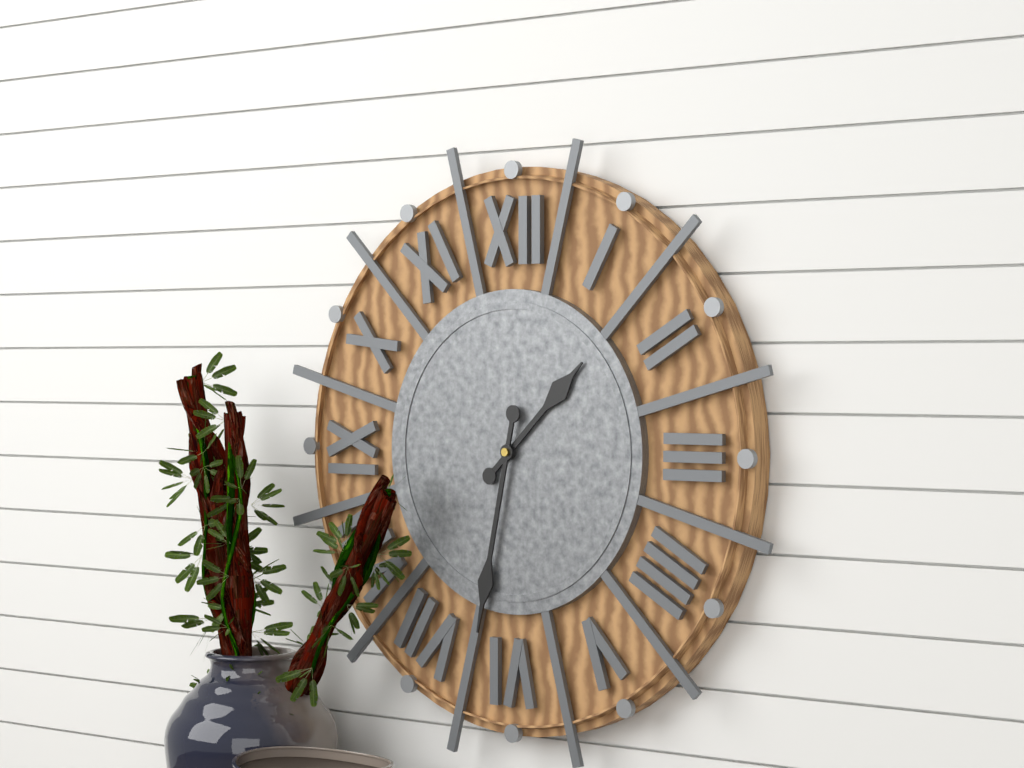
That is h=1 m=32
